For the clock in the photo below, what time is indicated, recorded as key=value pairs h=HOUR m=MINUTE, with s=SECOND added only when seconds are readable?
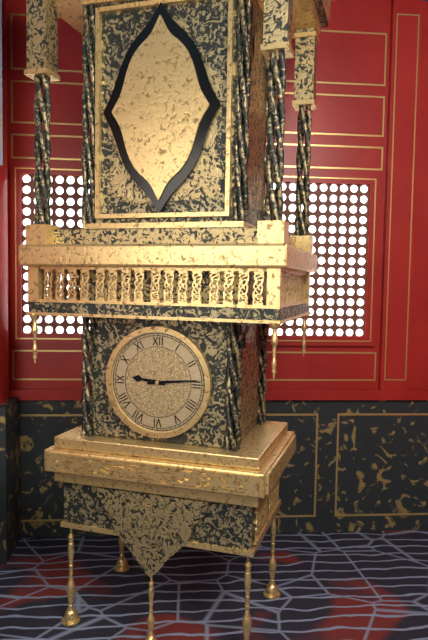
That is h=9 m=14
